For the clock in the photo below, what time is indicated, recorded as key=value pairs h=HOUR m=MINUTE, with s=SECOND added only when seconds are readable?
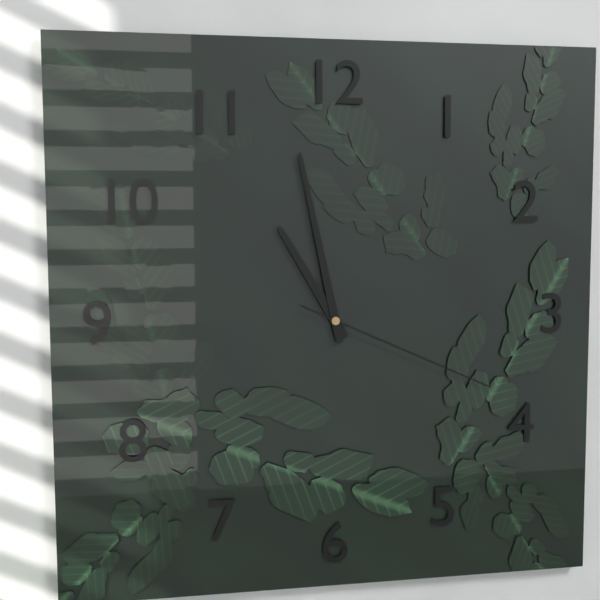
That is h=10 m=58 s=19
